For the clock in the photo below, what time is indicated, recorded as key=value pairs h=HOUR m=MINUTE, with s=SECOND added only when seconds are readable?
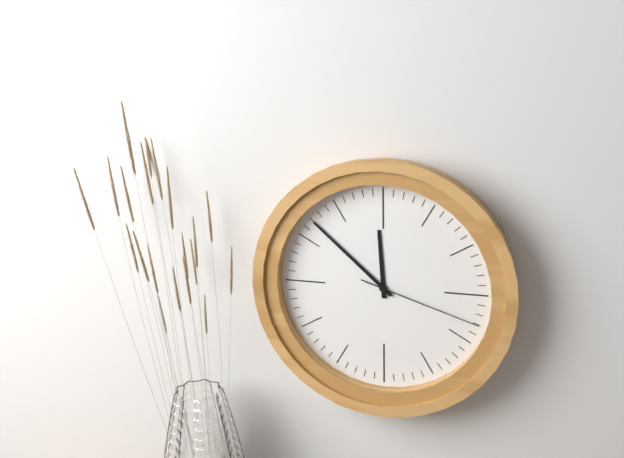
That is h=11 m=52 s=18
